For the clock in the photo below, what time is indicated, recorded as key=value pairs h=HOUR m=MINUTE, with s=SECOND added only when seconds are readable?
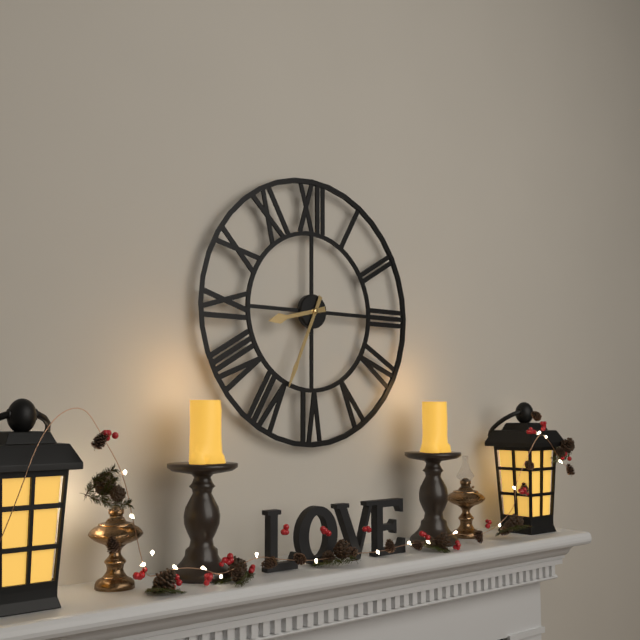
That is h=8 m=34
